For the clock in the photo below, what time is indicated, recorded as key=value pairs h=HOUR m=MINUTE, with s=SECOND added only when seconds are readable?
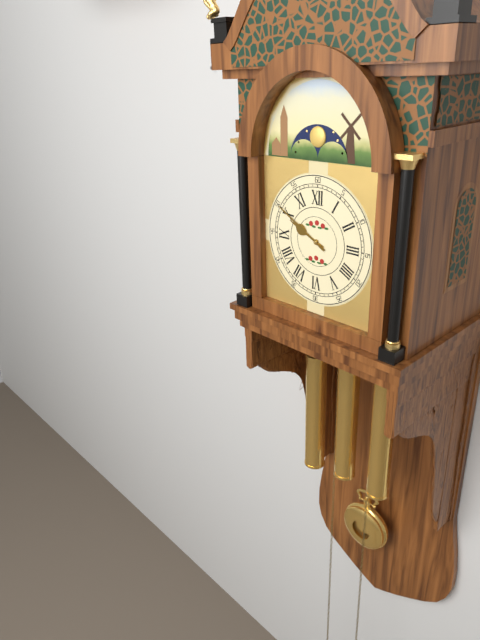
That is h=9 m=50
